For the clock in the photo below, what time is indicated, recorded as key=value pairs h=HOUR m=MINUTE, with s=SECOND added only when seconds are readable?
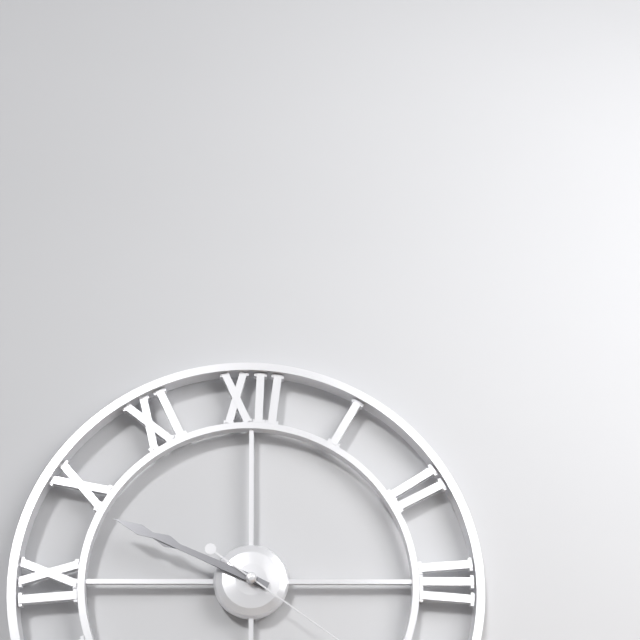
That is h=9 m=49
